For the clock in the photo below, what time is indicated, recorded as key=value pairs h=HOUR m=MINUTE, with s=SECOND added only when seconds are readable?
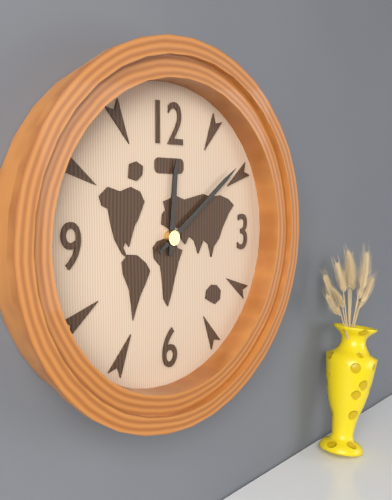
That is h=12 m=9
